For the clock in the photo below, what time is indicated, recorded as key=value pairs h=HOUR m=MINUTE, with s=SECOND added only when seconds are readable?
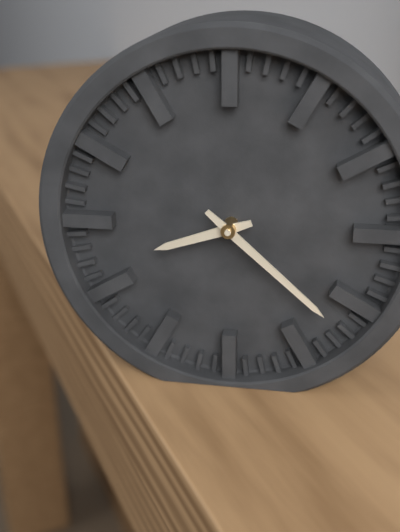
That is h=8 m=22
